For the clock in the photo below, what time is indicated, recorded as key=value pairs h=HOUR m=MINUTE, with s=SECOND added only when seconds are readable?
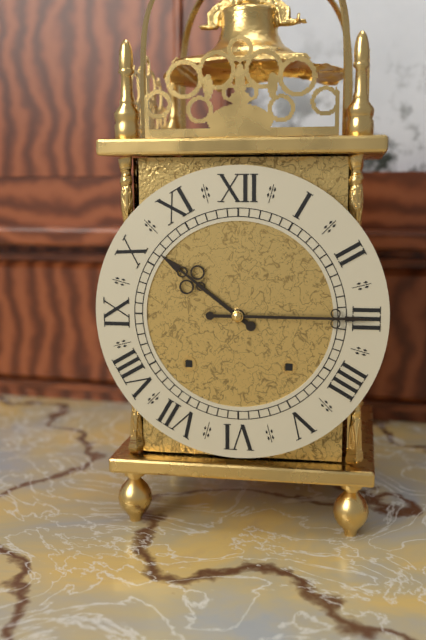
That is h=10 m=15
